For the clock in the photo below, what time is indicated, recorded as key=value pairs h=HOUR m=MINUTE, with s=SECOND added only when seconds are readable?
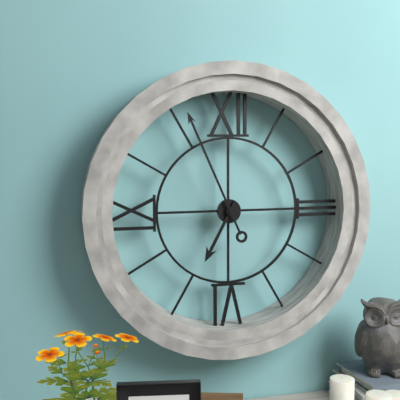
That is h=6 m=56
